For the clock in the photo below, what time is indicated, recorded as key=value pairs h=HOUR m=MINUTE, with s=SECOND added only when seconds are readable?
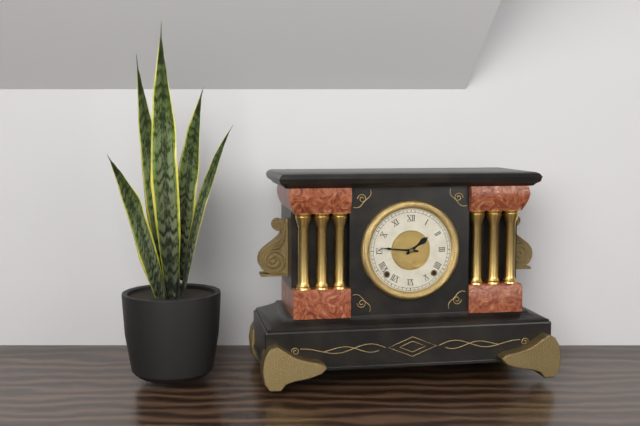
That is h=1 m=46
